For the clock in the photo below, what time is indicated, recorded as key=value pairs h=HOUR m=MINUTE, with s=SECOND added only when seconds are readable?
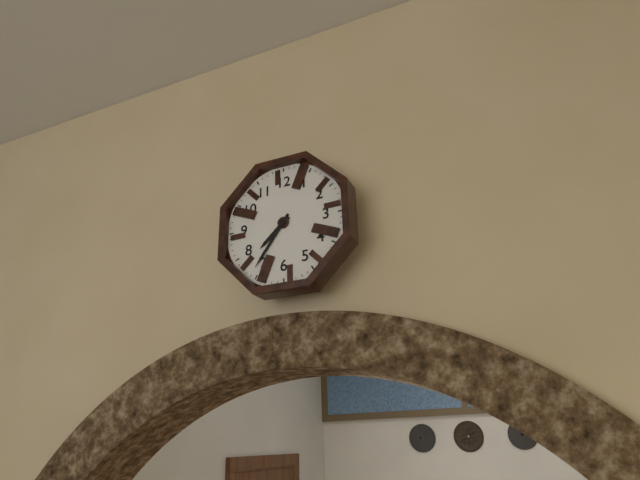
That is h=7 m=36
